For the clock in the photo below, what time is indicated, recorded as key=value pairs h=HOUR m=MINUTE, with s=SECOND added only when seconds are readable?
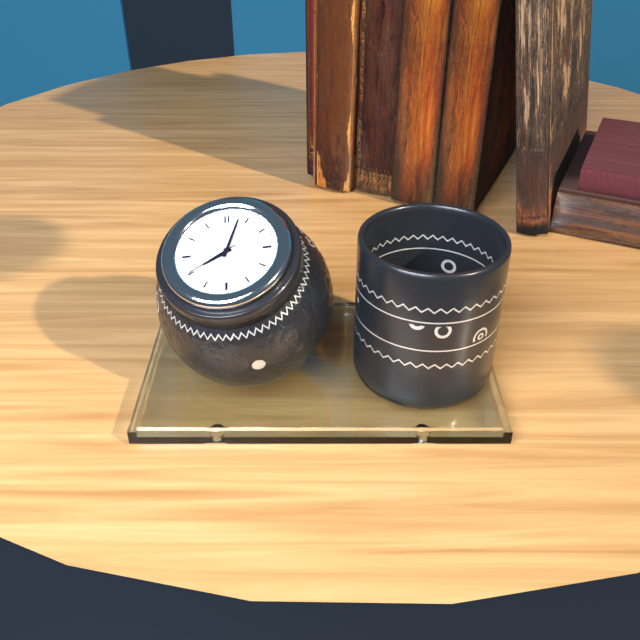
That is h=8 m=3 s=40
